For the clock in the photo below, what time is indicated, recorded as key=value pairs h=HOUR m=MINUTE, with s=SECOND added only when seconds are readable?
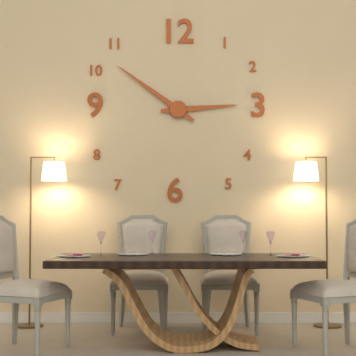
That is h=2 m=51
